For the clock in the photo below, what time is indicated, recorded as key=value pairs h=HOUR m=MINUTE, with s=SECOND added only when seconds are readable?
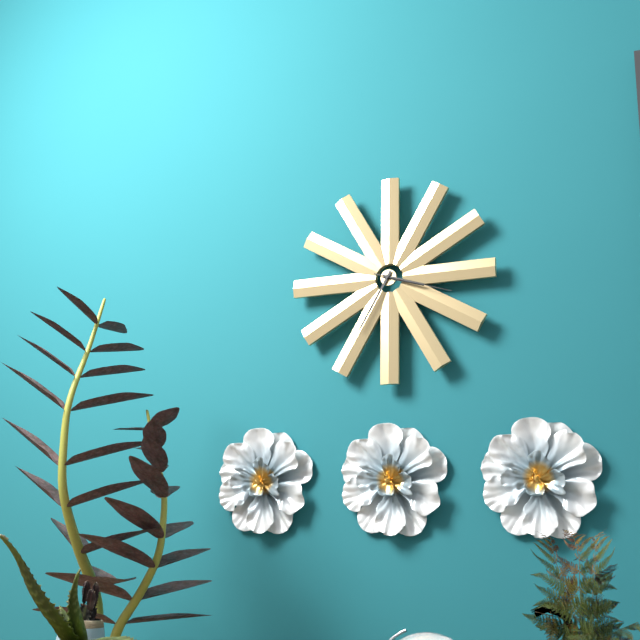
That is h=3 m=35 s=18
